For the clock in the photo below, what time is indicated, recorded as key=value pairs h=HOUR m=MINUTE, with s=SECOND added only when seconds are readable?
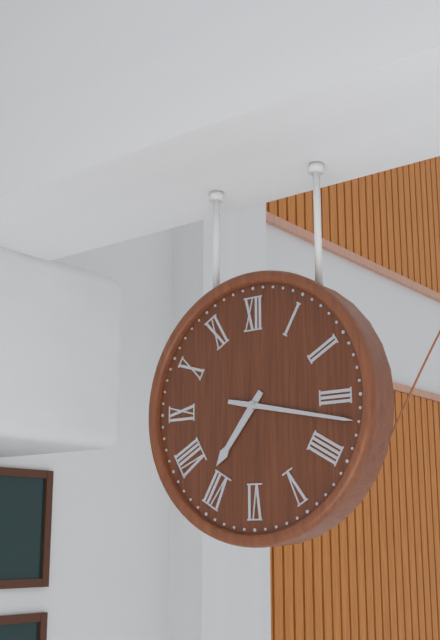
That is h=7 m=17
